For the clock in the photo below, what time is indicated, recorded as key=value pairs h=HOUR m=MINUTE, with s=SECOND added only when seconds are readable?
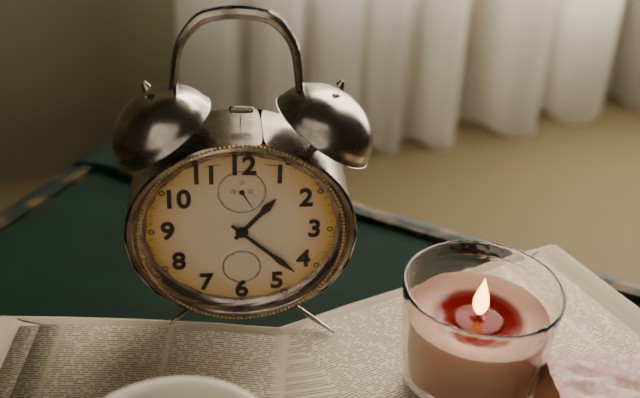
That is h=1 m=22
